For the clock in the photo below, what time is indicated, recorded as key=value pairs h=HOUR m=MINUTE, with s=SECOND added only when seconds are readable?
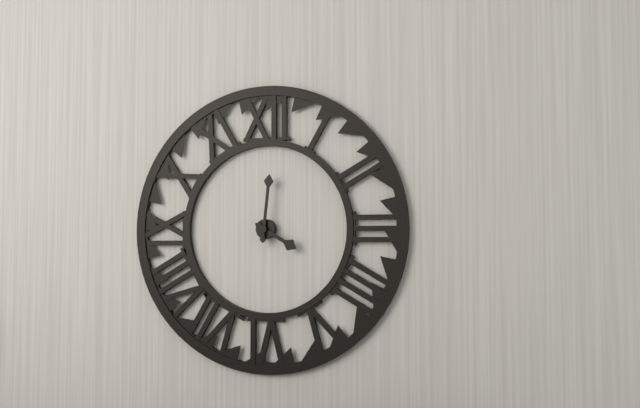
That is h=4 m=1
